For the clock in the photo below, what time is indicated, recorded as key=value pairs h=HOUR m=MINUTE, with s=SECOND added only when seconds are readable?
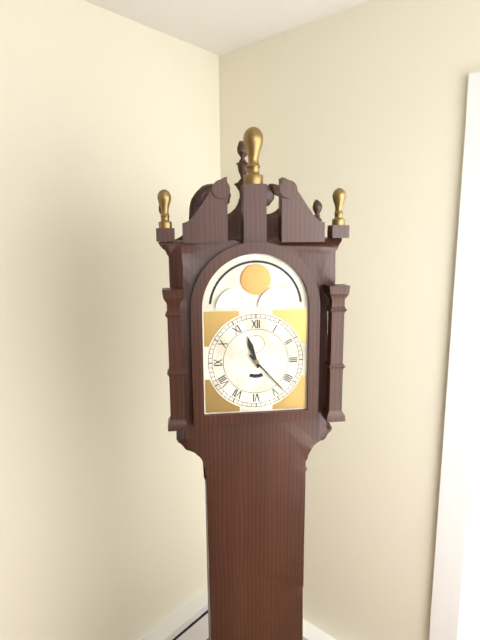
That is h=11 m=23
